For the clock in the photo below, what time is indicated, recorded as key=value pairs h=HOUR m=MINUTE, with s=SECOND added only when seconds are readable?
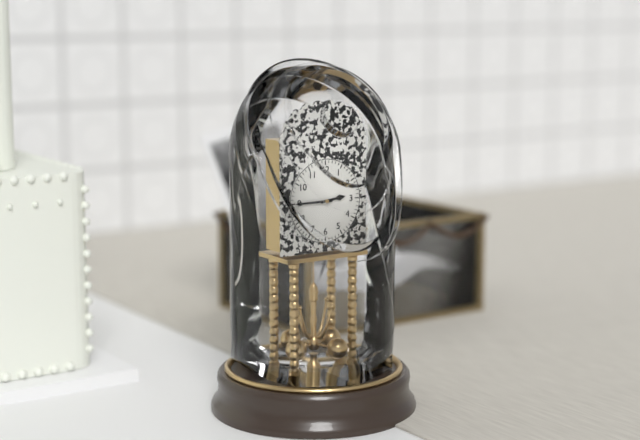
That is h=2 m=45
